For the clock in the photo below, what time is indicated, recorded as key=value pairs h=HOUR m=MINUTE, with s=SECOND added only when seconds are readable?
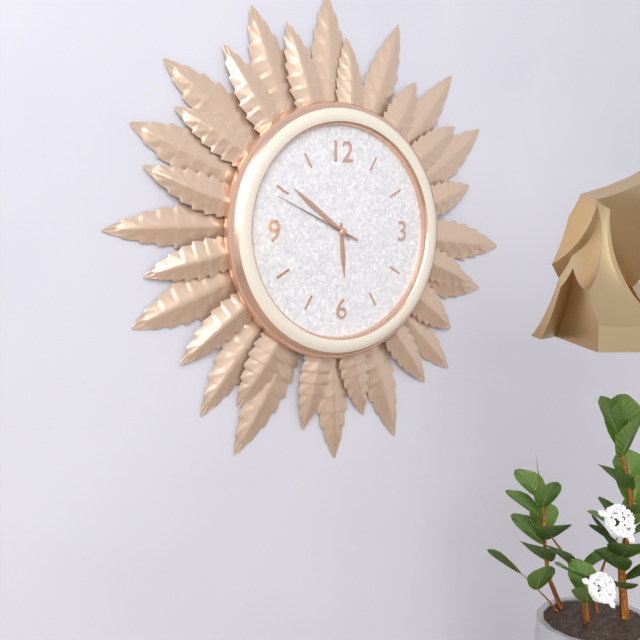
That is h=5 m=51 s=49
